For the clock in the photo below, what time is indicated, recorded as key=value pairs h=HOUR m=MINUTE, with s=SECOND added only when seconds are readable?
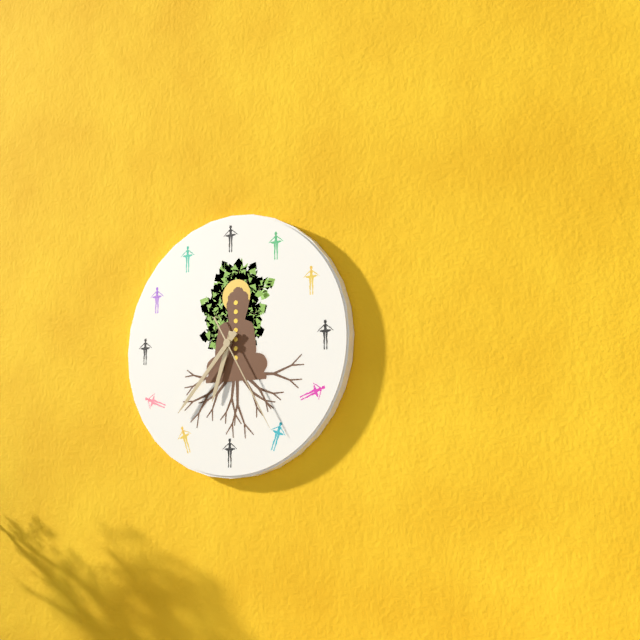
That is h=6 m=37 s=25
